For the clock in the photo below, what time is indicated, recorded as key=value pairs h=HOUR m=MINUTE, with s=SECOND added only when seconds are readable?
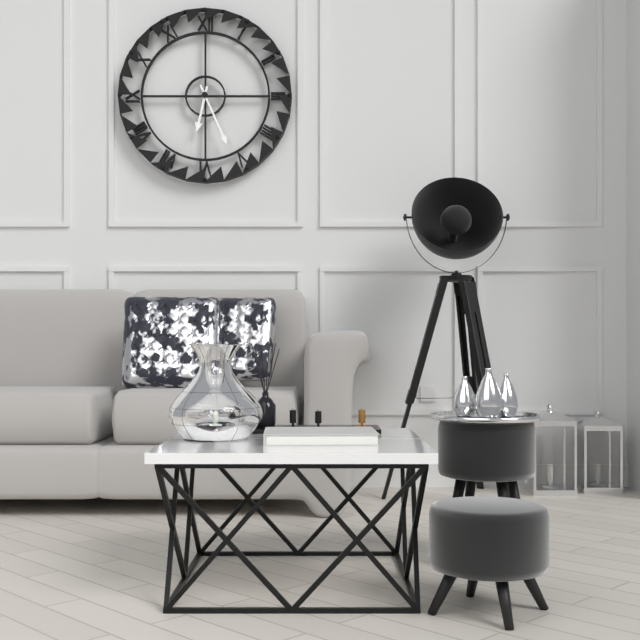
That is h=6 m=26
